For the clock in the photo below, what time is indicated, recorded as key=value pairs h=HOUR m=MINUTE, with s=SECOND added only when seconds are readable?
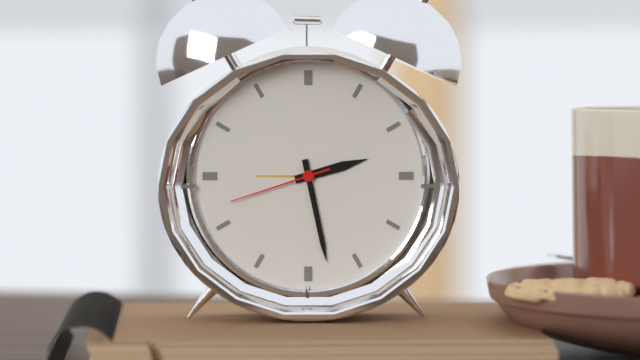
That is h=2 m=28 s=42
